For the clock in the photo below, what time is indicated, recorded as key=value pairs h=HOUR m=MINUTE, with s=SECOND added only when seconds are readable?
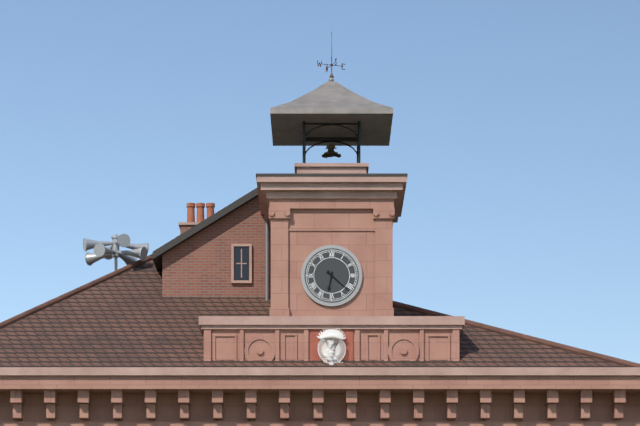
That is h=6 m=22
